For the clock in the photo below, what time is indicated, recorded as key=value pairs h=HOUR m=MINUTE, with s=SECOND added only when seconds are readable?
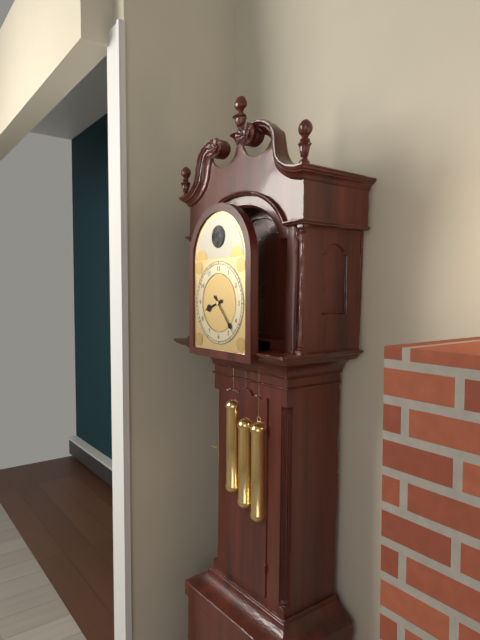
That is h=8 m=23
